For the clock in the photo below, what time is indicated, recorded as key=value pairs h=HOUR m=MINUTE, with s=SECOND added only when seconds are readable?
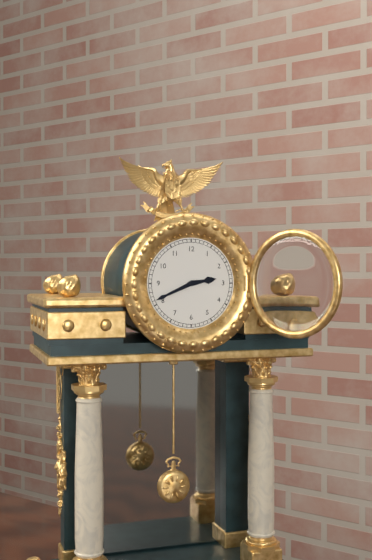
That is h=2 m=41
